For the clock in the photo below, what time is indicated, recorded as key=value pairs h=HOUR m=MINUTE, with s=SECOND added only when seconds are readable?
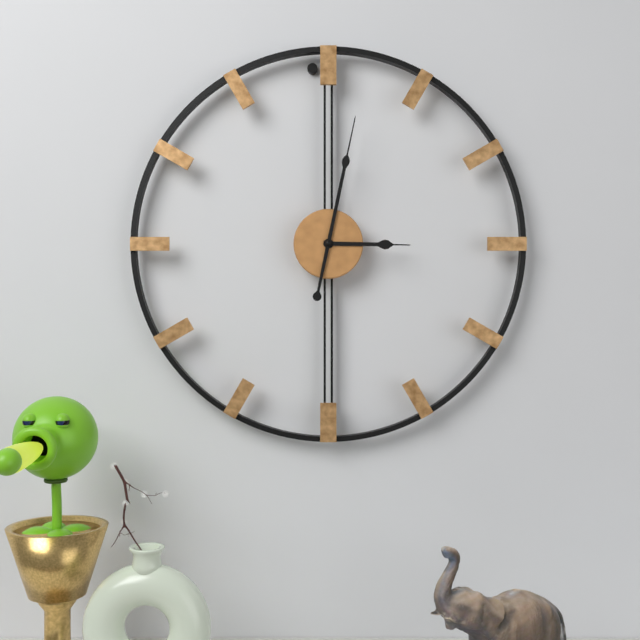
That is h=3 m=2
